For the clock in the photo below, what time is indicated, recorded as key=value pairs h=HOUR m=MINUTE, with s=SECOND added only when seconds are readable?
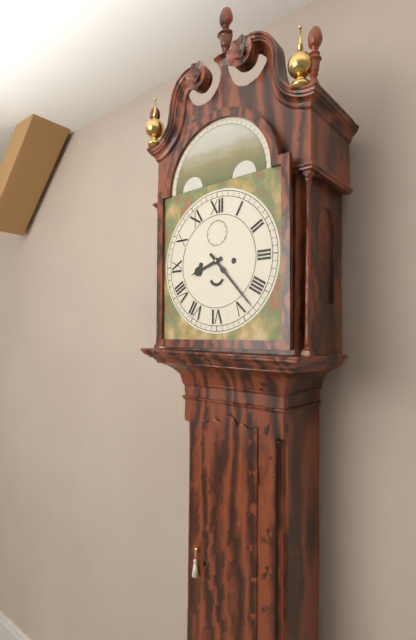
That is h=8 m=23
